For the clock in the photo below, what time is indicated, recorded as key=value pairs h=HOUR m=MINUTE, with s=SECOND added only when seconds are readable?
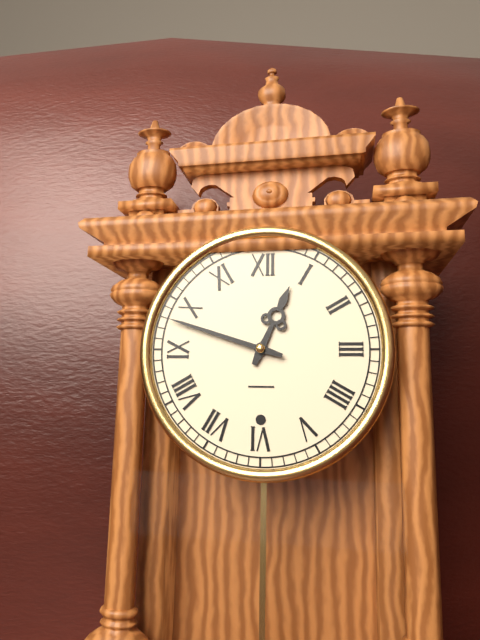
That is h=12 m=48
